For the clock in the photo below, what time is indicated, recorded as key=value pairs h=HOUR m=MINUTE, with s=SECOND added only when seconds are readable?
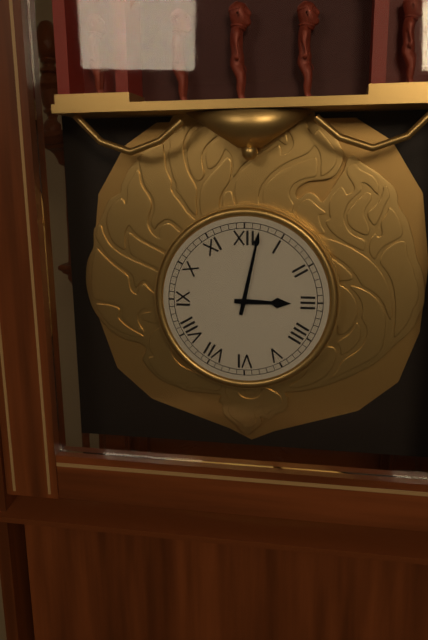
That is h=3 m=2
